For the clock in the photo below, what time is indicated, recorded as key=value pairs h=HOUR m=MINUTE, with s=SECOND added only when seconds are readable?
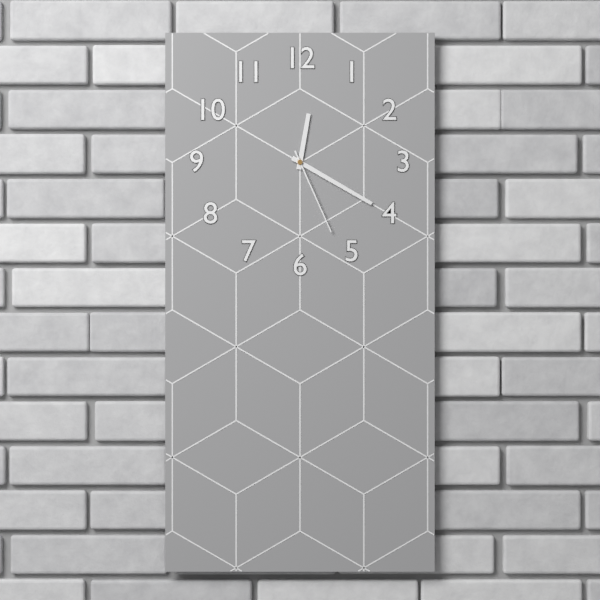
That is h=12 m=20 s=26
